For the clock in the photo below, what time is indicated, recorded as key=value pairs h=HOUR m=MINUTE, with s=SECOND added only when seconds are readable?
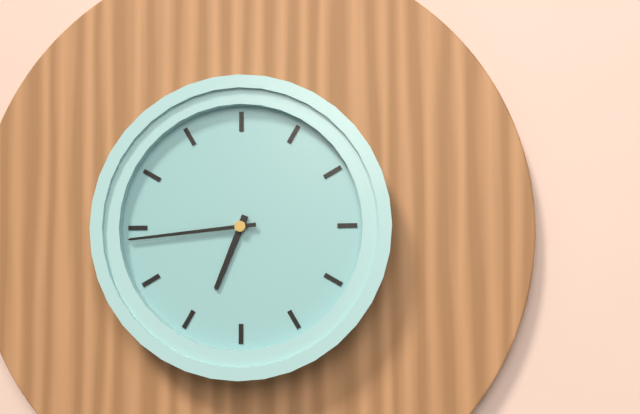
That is h=6 m=44
